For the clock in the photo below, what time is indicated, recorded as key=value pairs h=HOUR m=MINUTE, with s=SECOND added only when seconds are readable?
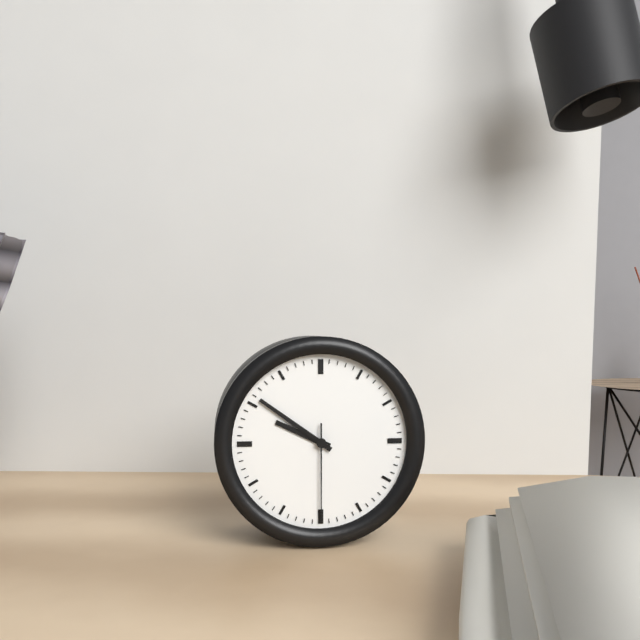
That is h=9 m=51 s=30
